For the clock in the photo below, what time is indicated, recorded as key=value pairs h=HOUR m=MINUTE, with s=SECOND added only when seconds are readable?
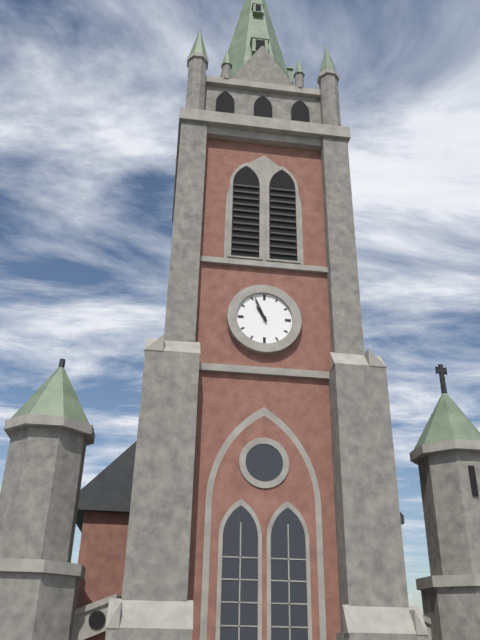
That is h=10 m=56
